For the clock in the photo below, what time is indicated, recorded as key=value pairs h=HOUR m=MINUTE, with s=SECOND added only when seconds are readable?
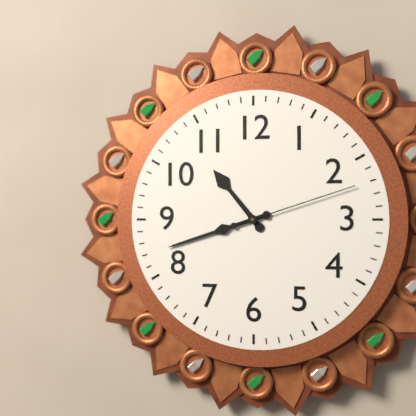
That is h=10 m=42 s=12
